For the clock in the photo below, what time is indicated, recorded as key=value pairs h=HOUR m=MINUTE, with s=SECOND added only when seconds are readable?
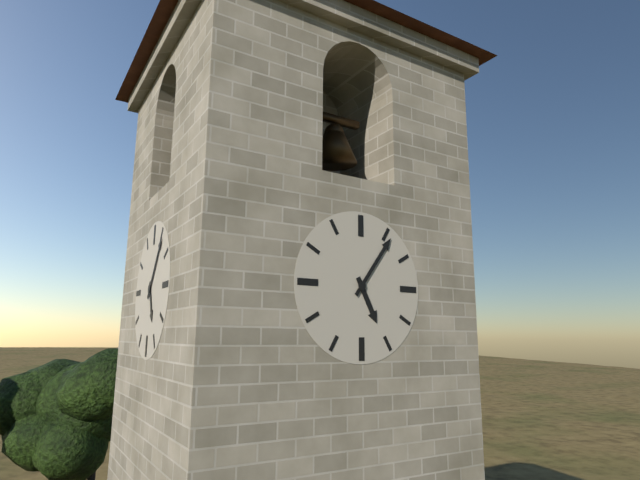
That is h=5 m=6
